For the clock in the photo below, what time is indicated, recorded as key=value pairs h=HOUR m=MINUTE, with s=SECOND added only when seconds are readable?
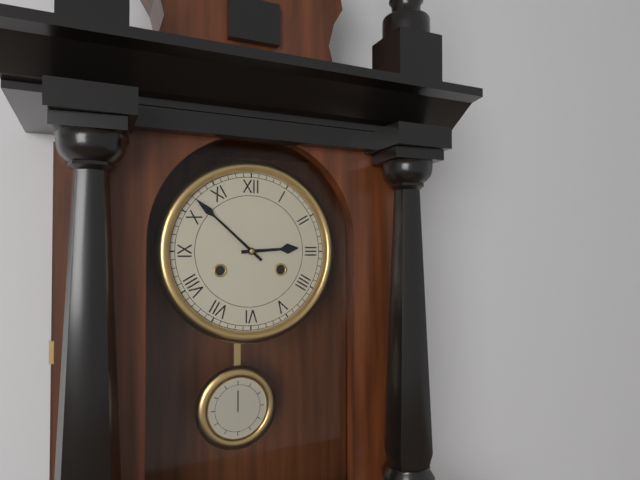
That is h=2 m=52
